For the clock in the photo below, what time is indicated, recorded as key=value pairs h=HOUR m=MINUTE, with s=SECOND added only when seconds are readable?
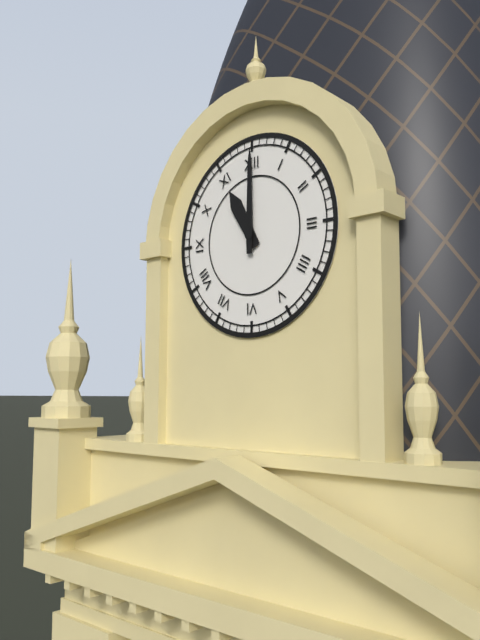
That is h=11 m=0
